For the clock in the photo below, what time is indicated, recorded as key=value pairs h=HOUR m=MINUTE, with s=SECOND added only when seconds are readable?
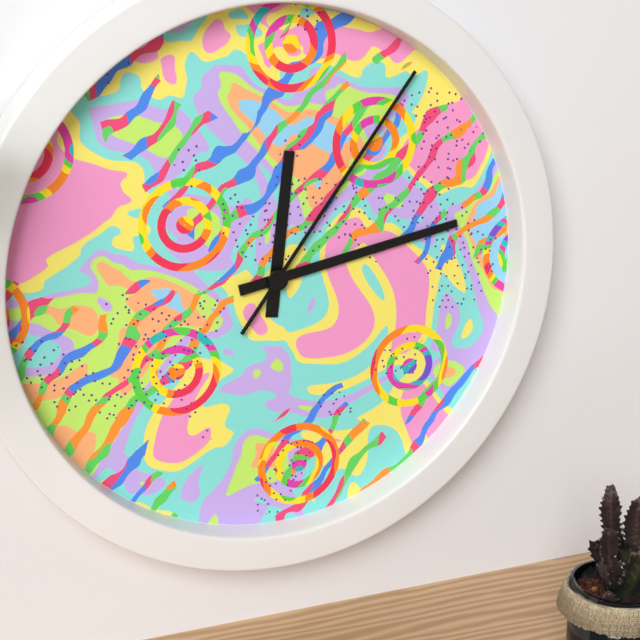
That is h=12 m=13 s=6
